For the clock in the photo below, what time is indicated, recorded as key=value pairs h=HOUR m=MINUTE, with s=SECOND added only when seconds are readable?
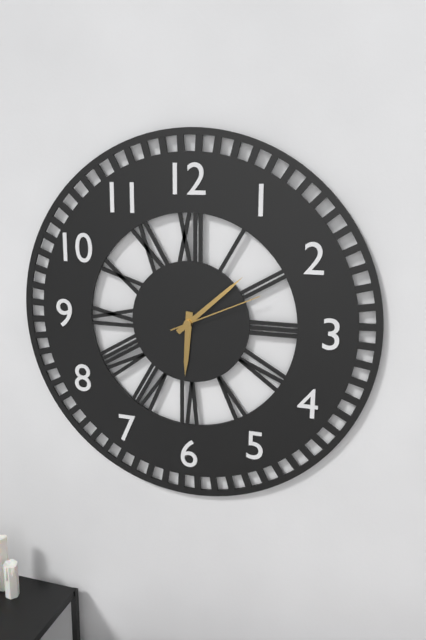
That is h=6 m=8 s=11
